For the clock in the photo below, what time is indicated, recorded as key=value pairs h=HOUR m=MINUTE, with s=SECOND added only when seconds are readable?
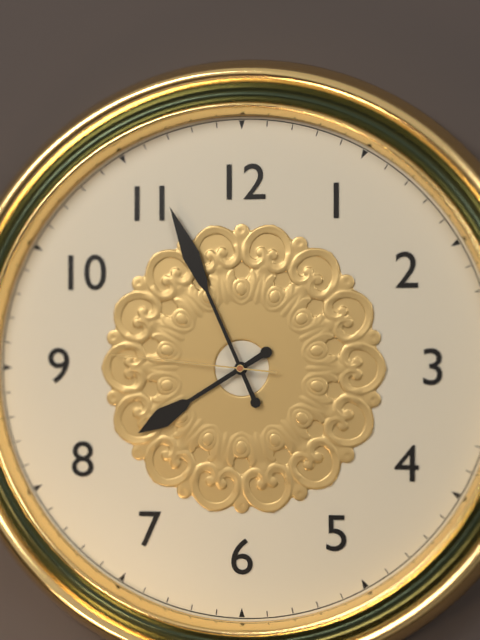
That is h=7 m=56 s=46
